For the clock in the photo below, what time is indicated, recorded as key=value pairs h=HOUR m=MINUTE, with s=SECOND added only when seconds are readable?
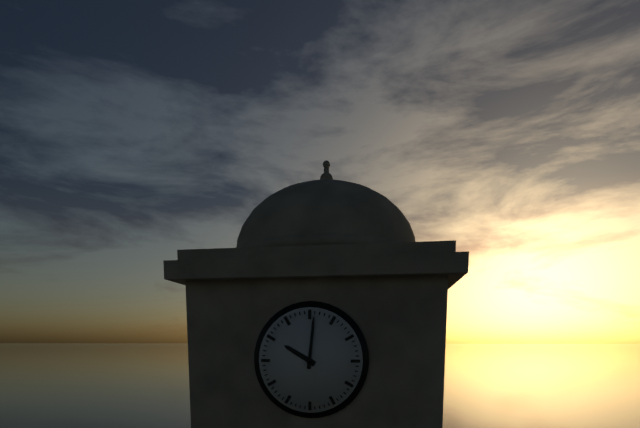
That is h=10 m=1
